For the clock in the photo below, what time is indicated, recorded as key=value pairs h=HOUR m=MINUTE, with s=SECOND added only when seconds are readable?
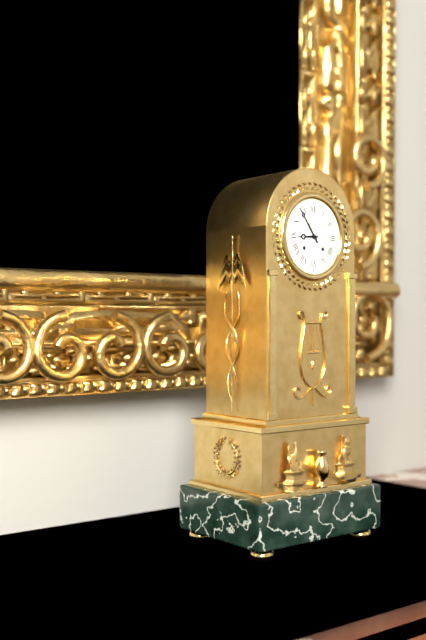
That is h=8 m=54
